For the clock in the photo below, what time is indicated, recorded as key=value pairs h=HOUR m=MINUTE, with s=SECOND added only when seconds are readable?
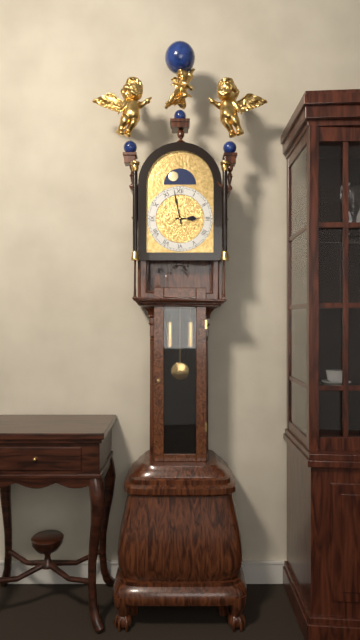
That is h=2 m=58
